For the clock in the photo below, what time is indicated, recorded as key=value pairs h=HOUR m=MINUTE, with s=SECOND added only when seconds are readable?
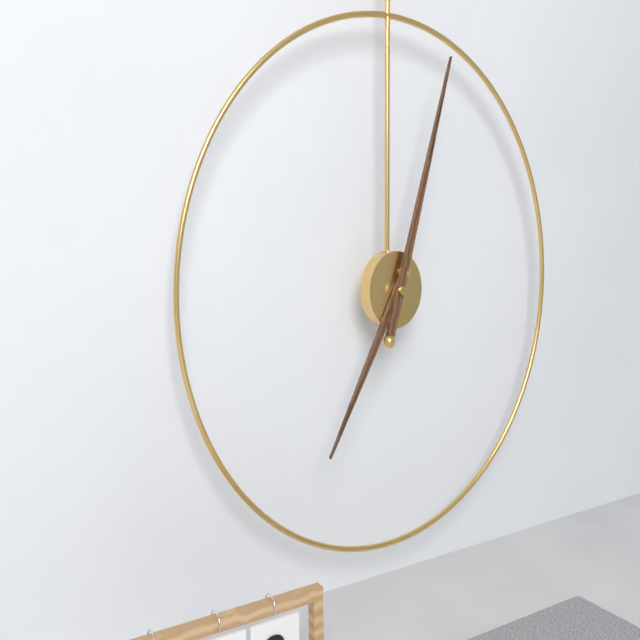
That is h=7 m=3
